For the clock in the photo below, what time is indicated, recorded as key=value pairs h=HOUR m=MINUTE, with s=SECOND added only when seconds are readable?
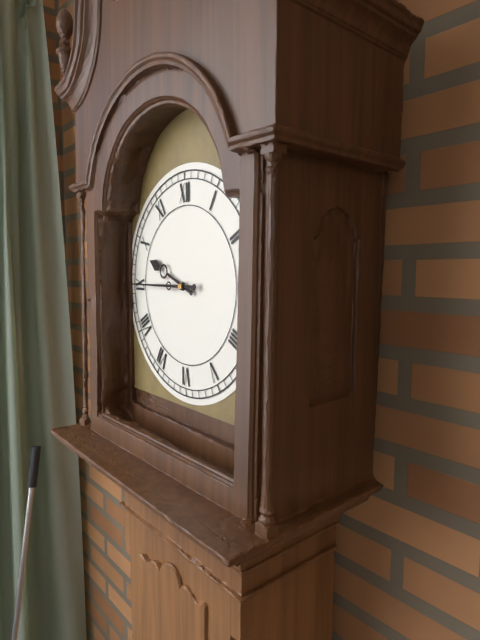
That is h=9 m=45
